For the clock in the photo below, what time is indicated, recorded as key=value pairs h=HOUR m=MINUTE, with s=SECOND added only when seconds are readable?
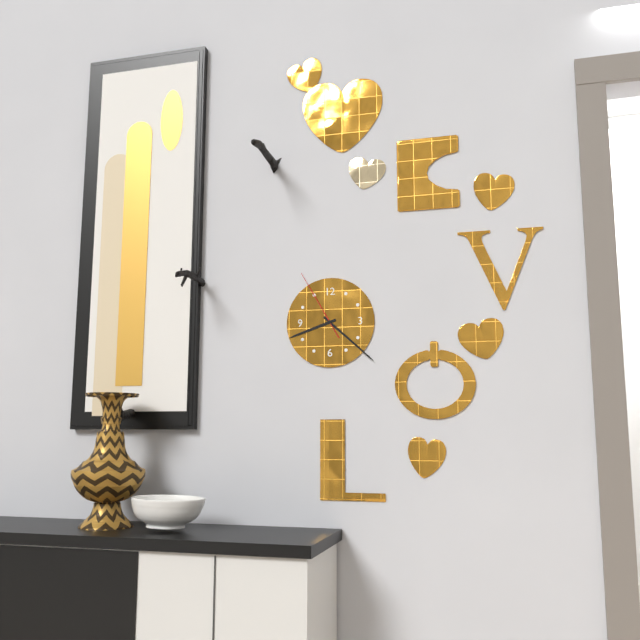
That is h=8 m=22 s=55
